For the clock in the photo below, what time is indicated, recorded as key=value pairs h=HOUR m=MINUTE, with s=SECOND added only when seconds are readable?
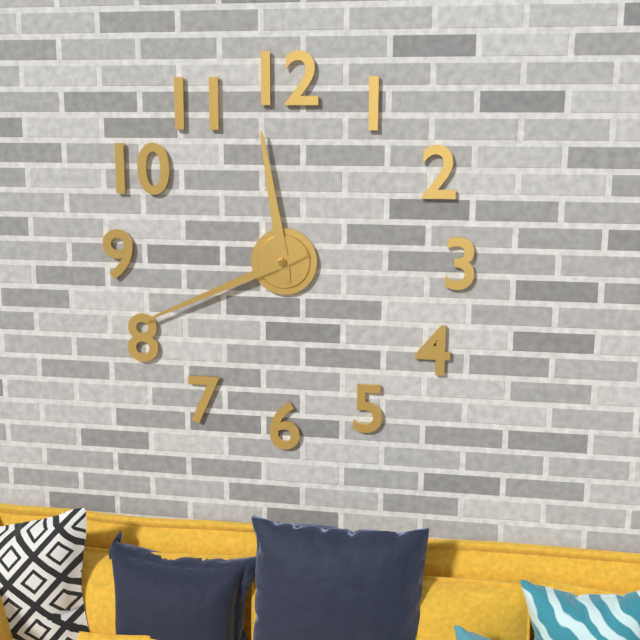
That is h=11 m=41
